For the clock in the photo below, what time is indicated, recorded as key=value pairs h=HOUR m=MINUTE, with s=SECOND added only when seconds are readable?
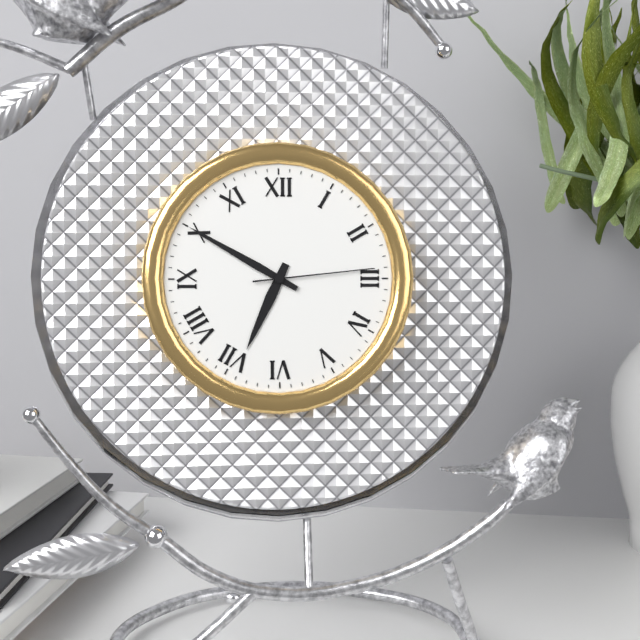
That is h=6 m=50 s=14
